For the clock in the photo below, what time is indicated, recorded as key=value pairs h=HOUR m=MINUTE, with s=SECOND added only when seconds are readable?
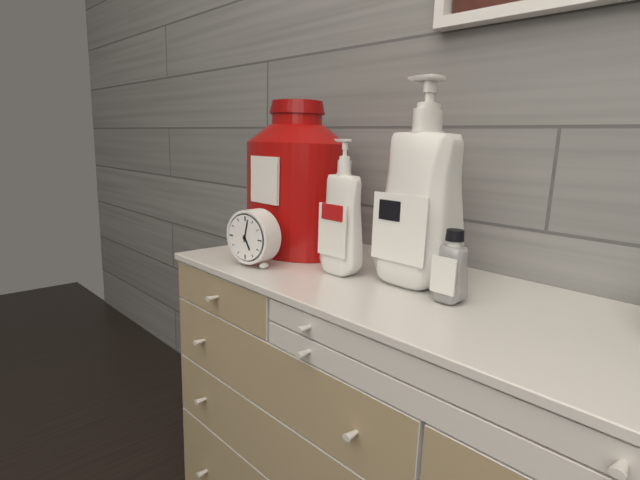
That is h=5 m=2
